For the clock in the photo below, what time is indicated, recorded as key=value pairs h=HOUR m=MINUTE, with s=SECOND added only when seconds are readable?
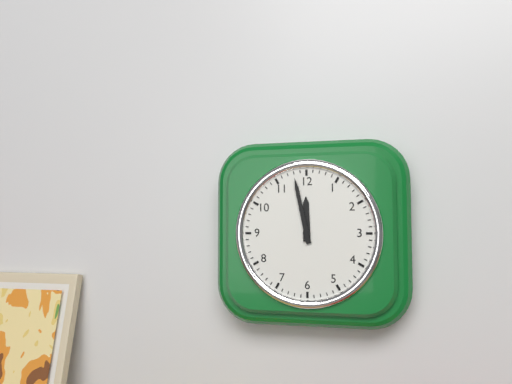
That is h=11 m=58
